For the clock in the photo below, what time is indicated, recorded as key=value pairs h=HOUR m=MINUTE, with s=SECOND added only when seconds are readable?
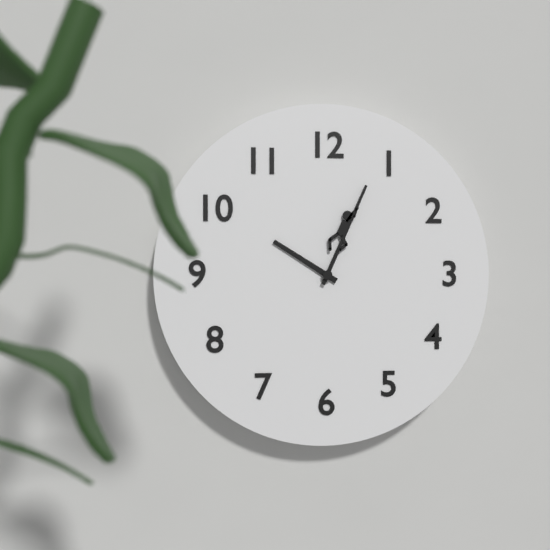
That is h=10 m=4
